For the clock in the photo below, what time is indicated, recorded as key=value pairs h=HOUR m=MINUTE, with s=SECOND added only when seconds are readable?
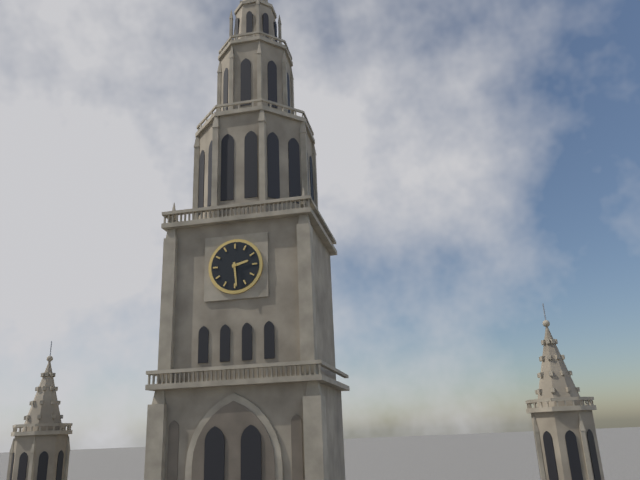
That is h=2 m=29
